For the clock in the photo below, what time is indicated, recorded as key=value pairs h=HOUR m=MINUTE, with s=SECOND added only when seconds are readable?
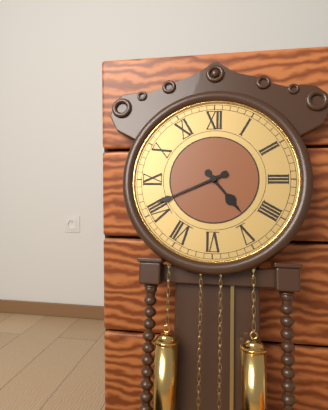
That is h=4 m=41
